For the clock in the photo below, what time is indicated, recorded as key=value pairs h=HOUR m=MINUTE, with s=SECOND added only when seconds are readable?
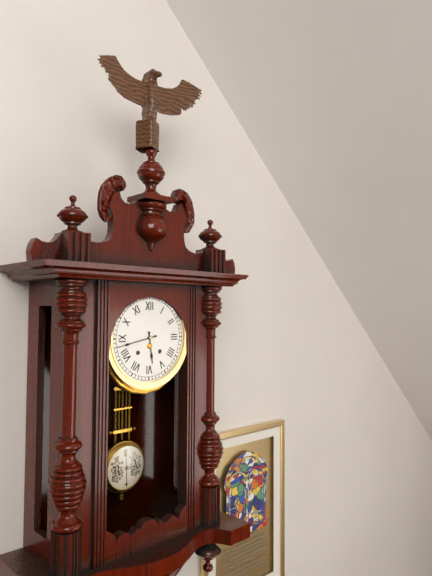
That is h=5 m=43
